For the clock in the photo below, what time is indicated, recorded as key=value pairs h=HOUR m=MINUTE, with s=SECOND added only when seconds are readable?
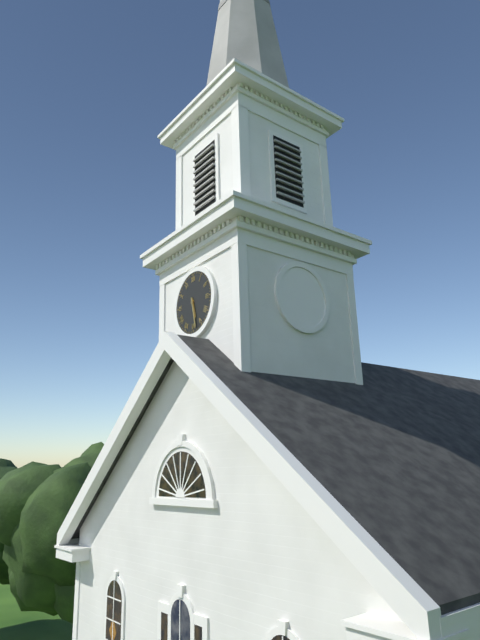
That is h=5 m=28
